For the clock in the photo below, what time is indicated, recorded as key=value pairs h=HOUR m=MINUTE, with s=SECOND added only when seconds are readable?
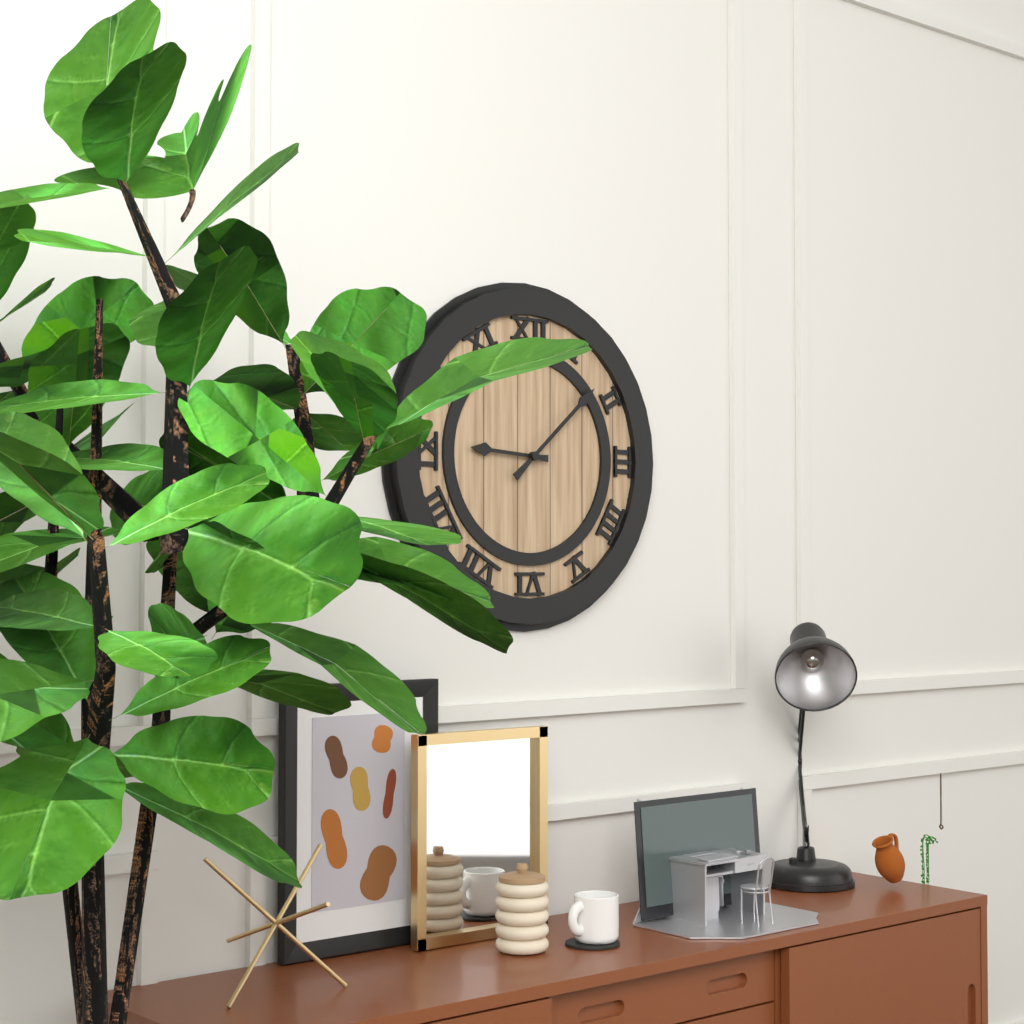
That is h=9 m=8
